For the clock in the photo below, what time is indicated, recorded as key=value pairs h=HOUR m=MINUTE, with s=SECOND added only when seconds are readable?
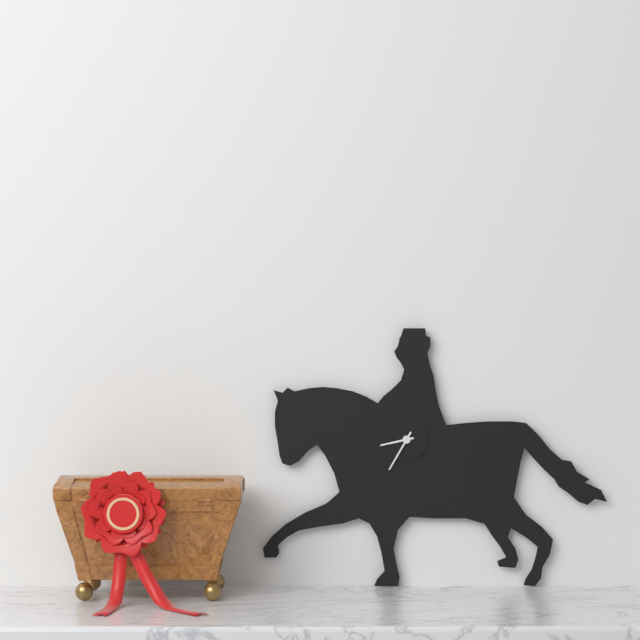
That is h=8 m=35
